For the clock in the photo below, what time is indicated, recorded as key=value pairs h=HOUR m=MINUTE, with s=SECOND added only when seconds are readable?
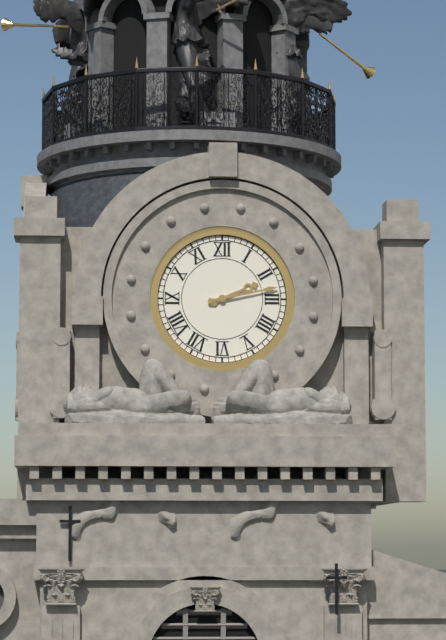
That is h=2 m=13
